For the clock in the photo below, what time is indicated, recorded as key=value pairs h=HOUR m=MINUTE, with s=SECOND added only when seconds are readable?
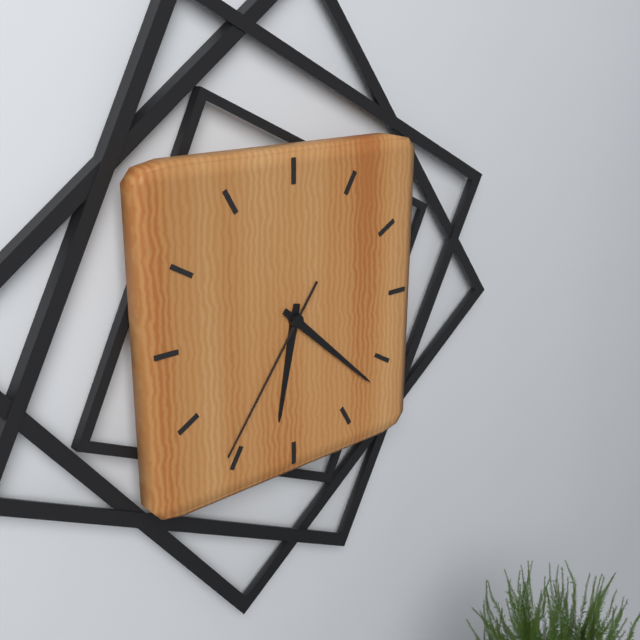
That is h=6 m=22 s=36
